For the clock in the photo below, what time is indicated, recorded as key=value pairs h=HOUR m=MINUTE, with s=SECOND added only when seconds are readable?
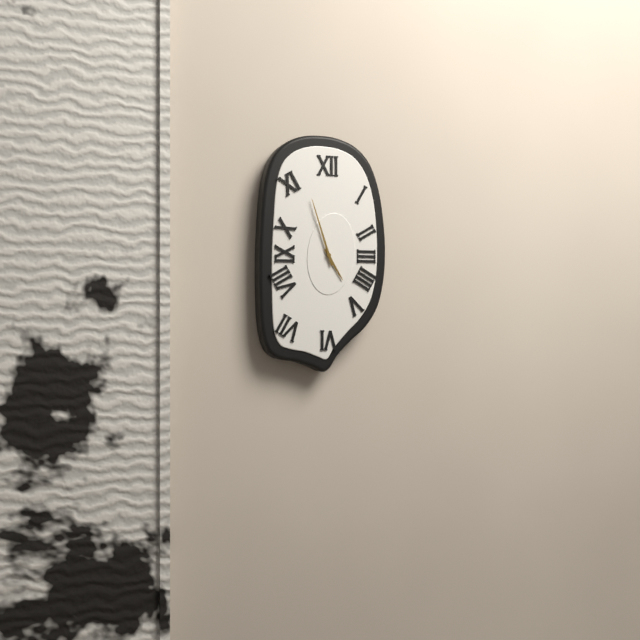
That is h=4 m=57
